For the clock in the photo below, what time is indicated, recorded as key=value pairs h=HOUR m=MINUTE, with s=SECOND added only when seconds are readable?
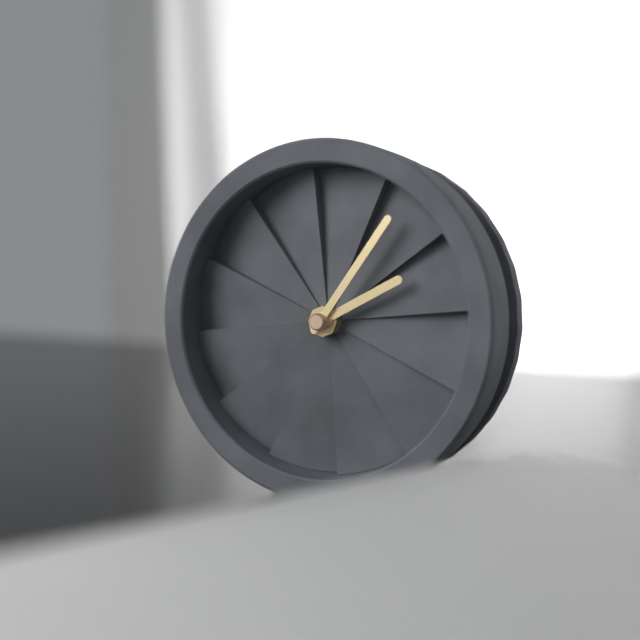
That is h=2 m=6
